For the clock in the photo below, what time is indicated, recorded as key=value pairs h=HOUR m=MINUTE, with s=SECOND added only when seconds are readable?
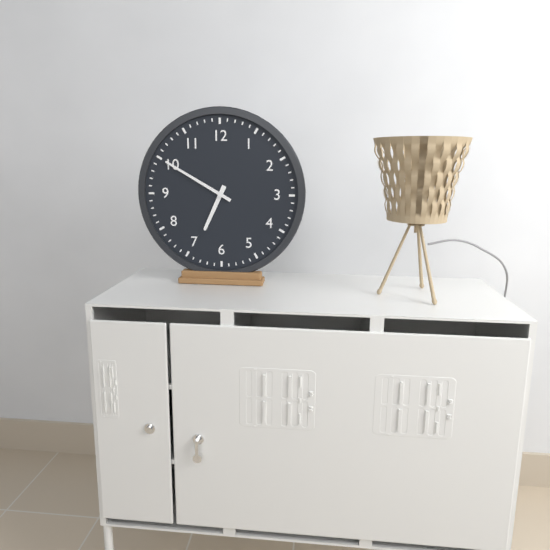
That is h=6 m=50
